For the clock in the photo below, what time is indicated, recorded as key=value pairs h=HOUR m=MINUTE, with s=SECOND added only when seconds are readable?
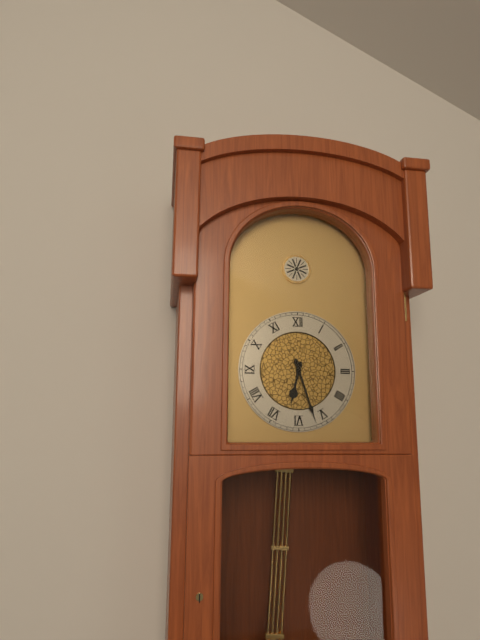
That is h=6 m=27
